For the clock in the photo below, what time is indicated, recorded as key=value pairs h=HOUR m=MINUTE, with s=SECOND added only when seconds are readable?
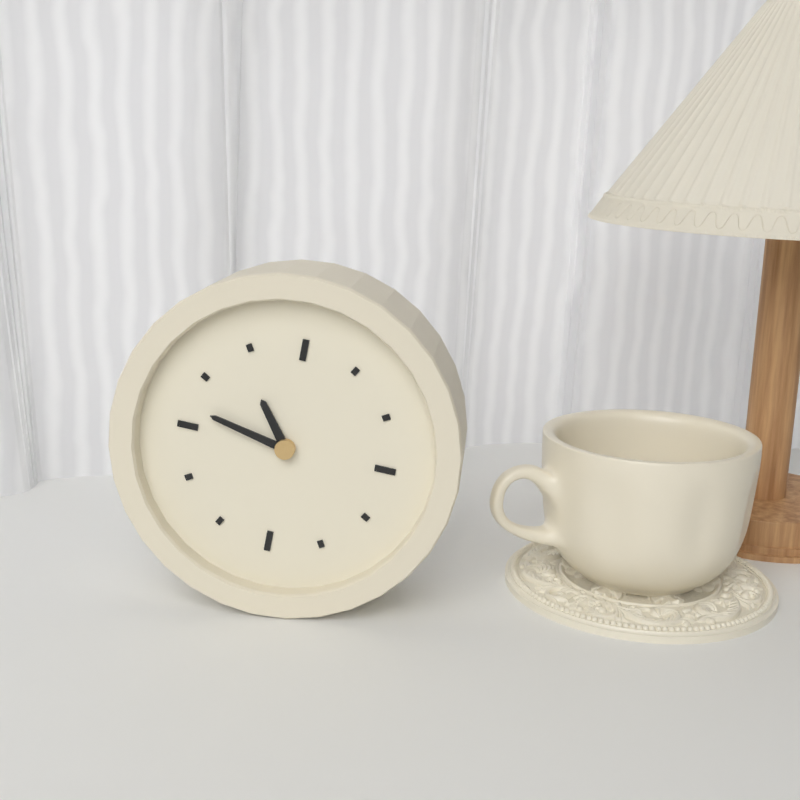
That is h=10 m=47
